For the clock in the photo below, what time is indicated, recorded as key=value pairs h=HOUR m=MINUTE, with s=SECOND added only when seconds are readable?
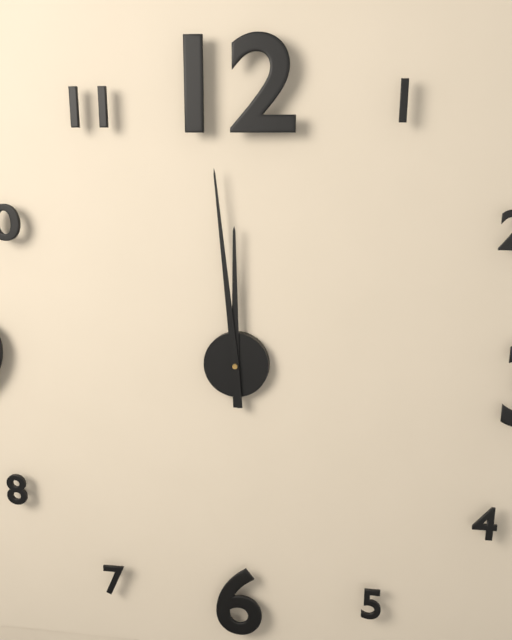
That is h=11 m=59
